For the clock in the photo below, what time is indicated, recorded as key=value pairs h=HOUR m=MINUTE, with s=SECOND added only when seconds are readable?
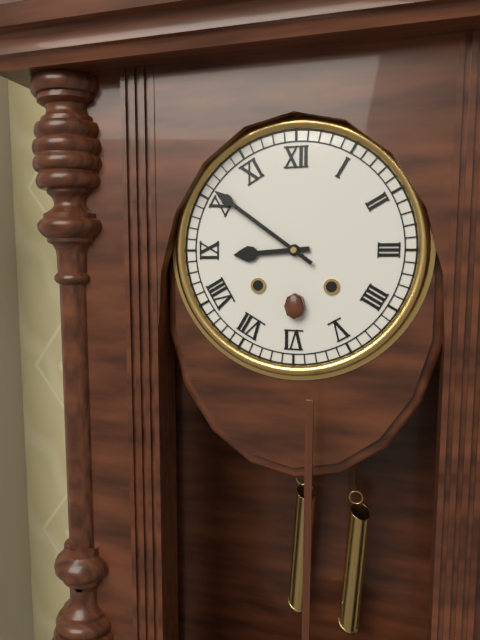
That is h=8 m=51
